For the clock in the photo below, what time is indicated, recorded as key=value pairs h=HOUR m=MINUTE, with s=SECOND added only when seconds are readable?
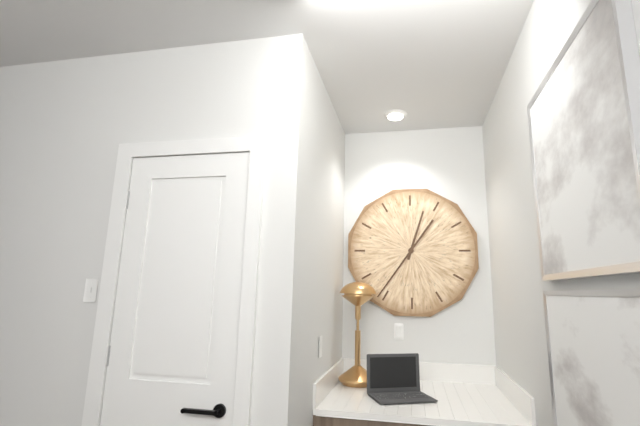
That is h=12 m=36
